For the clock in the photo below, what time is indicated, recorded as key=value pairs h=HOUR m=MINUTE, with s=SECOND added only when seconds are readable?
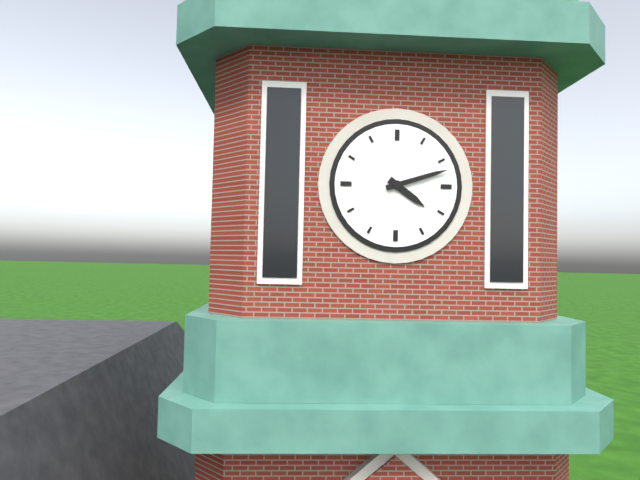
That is h=4 m=12
